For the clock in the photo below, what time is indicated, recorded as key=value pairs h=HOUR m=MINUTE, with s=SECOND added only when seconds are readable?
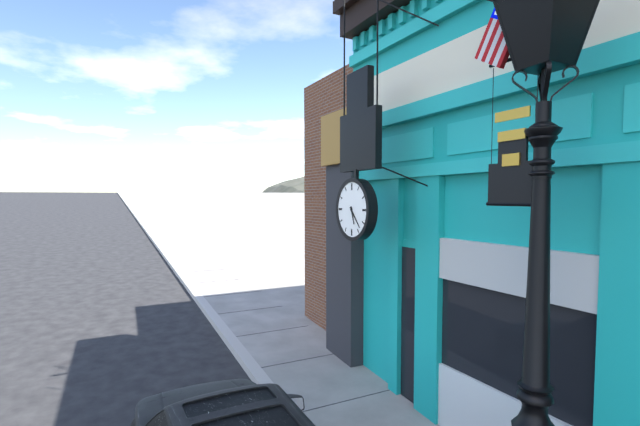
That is h=5 m=23
